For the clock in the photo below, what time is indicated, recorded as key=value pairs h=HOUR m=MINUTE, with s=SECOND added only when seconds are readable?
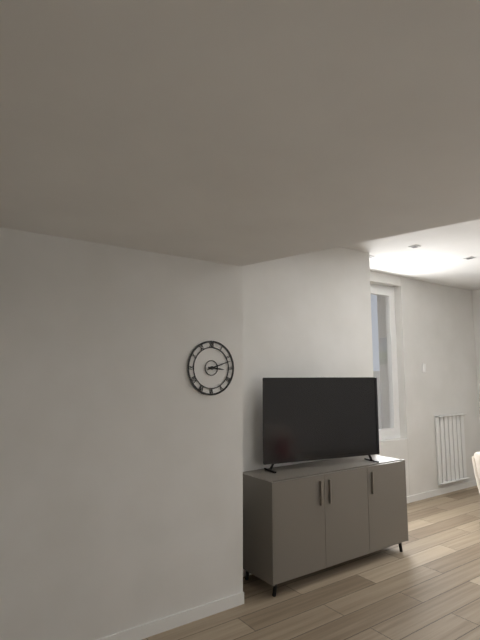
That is h=3 m=12
